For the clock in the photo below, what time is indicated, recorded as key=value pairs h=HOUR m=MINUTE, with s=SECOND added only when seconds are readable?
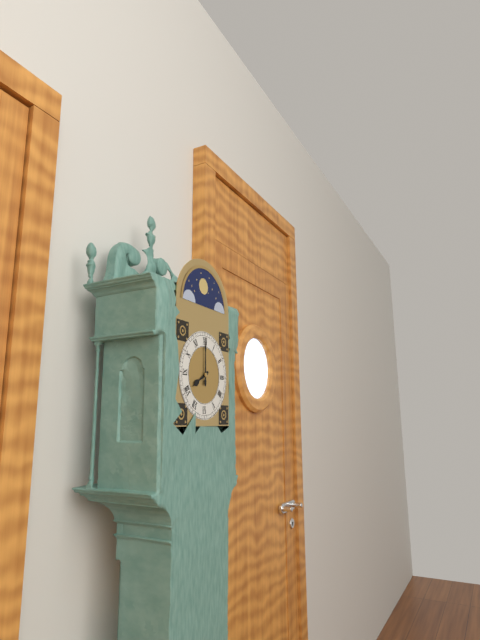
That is h=8 m=0
